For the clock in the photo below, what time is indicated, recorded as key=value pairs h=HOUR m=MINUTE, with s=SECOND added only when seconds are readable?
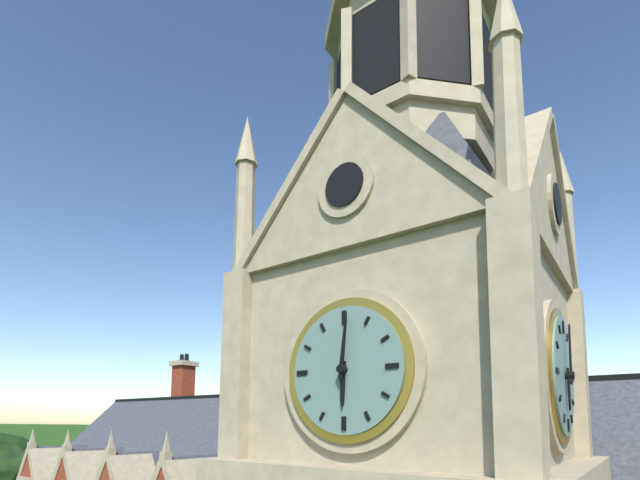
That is h=6 m=1
